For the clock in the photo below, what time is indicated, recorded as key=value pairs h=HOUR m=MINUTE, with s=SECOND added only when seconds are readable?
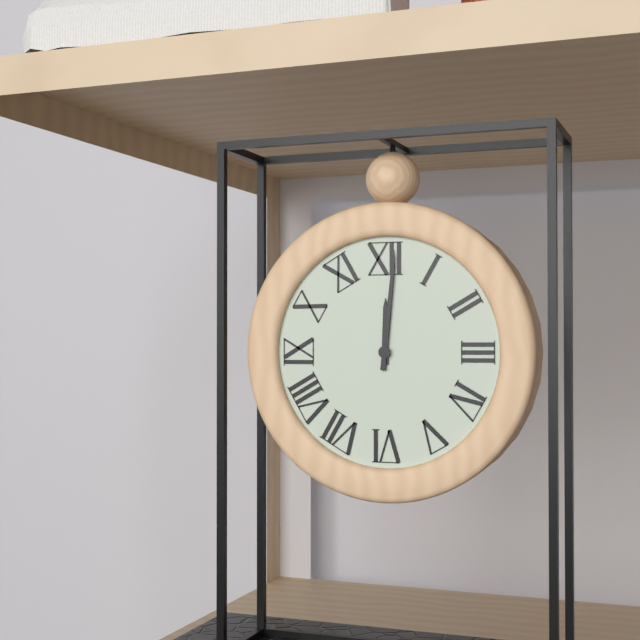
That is h=12 m=1
